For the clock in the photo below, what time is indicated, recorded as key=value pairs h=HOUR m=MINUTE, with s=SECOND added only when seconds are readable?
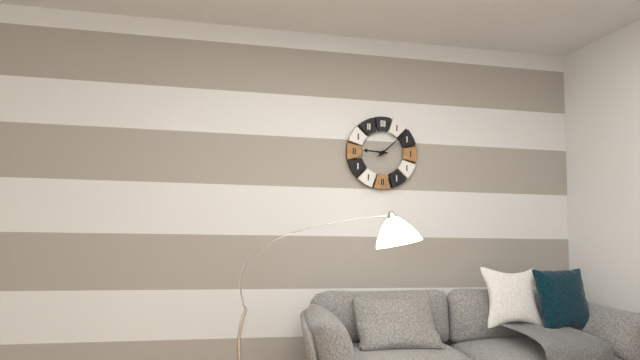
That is h=9 m=8
